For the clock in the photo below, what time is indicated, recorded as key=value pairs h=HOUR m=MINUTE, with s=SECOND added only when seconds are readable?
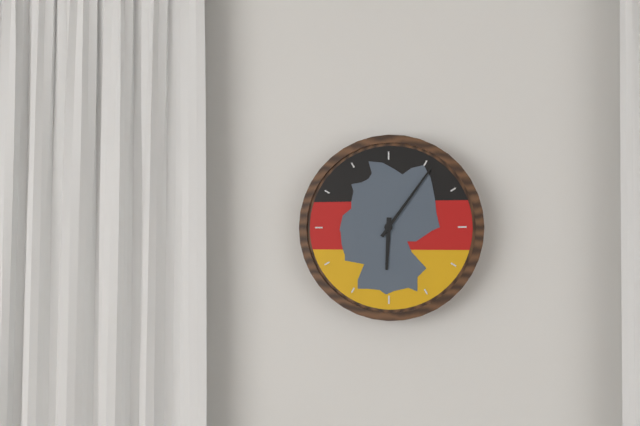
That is h=6 m=6
